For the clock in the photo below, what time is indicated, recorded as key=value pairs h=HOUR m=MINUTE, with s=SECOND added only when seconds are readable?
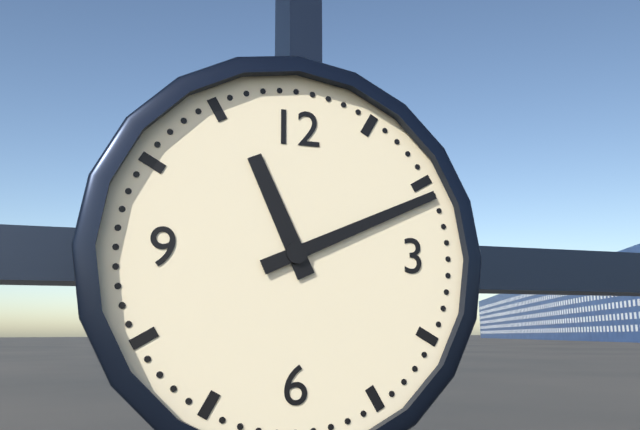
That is h=11 m=11
